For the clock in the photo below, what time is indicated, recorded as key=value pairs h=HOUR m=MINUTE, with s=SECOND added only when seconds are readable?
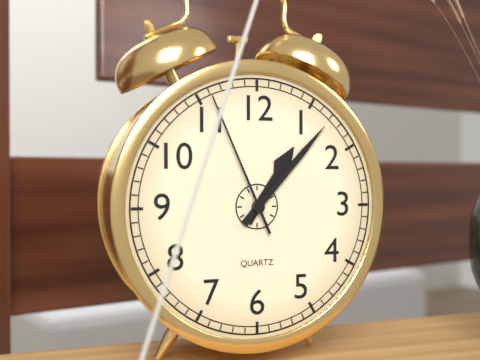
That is h=1 m=7 s=56
